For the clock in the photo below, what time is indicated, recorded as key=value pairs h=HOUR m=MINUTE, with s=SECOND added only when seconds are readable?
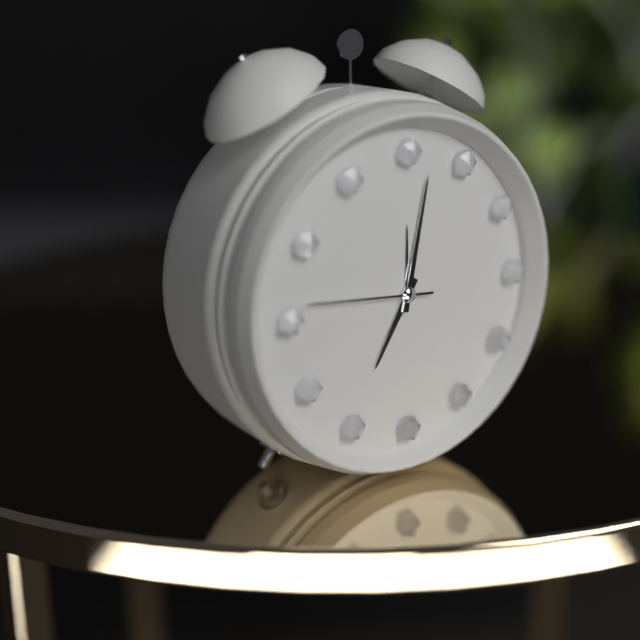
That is h=7 m=2 s=46
